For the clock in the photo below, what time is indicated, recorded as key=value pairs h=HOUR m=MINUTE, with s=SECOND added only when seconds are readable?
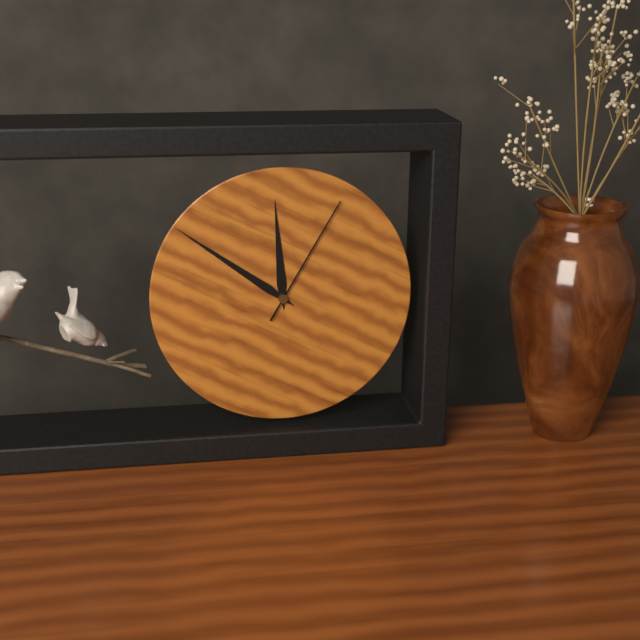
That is h=11 m=51 s=5
